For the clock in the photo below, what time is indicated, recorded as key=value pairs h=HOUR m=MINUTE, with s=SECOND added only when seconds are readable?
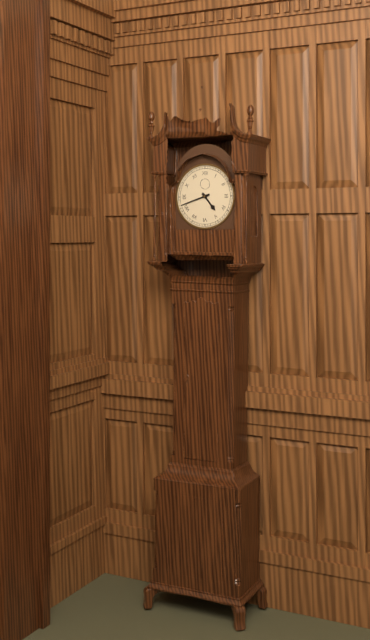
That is h=4 m=42
